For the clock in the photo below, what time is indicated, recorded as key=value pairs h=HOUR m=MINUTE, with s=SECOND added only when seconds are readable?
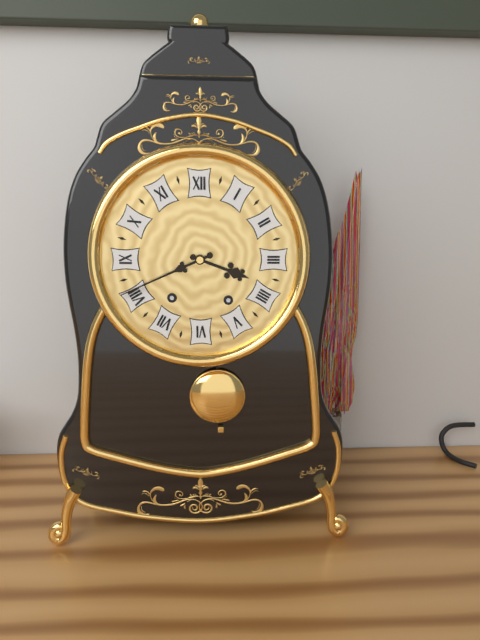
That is h=3 m=41
